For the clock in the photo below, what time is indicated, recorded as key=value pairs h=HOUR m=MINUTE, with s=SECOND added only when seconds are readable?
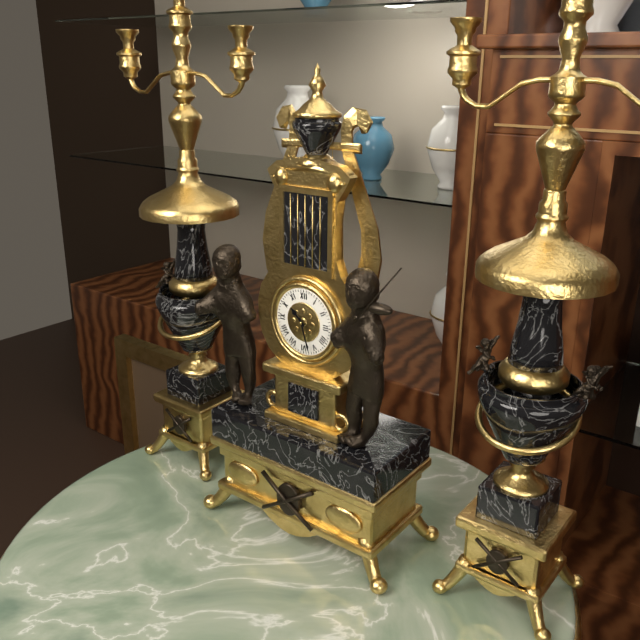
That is h=10 m=27
